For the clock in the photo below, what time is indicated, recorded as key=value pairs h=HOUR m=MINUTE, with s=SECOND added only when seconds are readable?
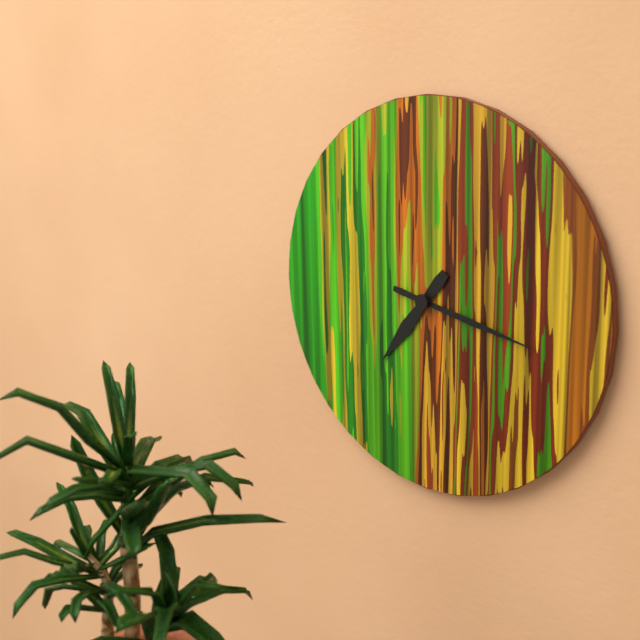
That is h=7 m=17
